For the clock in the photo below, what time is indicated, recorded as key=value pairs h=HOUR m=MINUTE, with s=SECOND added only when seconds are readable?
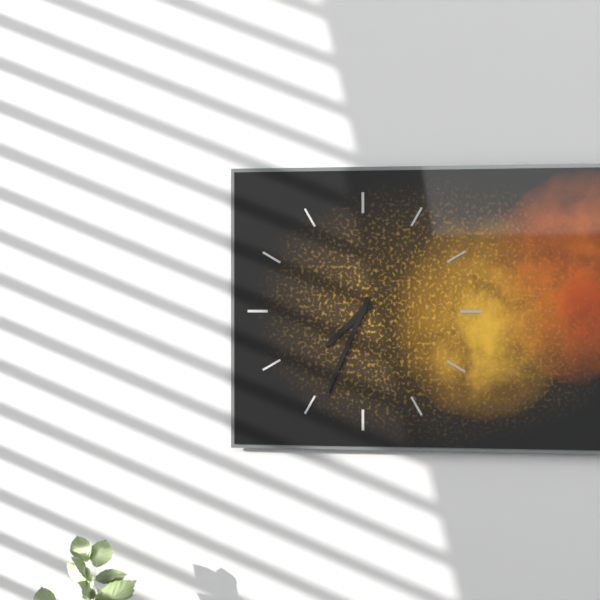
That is h=7 m=34
